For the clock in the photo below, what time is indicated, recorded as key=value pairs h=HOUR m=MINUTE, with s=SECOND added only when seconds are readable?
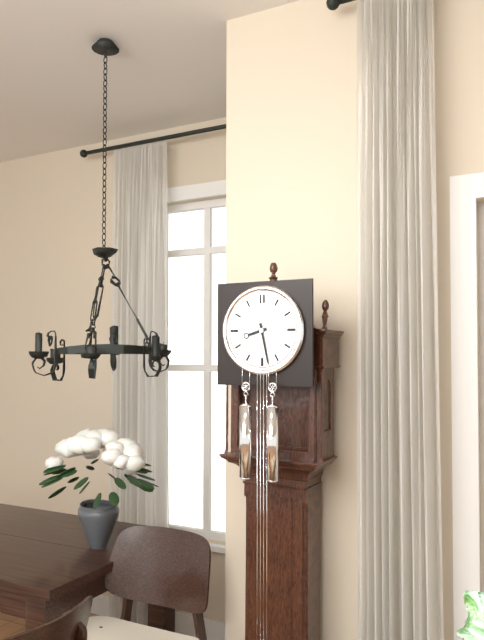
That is h=8 m=28
